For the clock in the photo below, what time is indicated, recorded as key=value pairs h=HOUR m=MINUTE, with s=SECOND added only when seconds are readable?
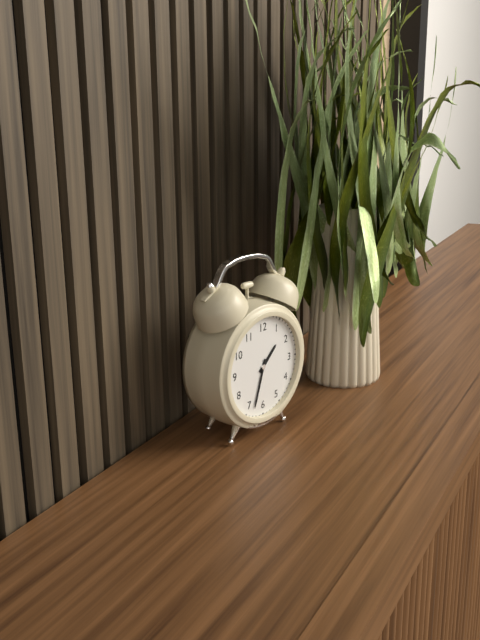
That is h=1 m=33
